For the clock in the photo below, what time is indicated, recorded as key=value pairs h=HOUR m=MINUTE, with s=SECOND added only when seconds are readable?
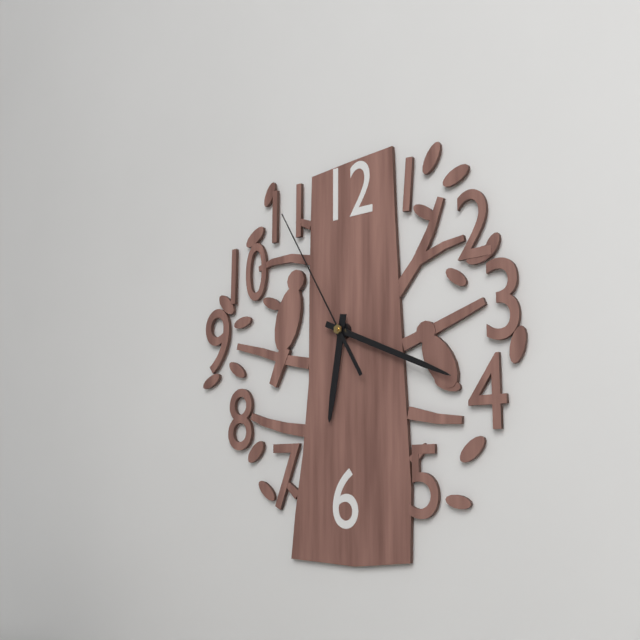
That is h=6 m=19 s=55
